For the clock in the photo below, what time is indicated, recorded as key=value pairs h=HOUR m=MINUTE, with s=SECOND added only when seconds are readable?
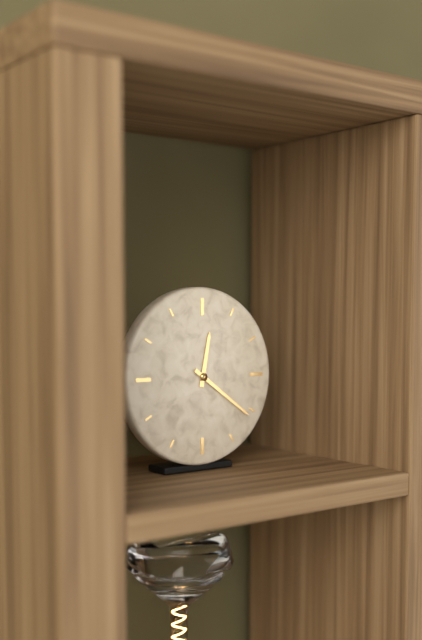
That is h=12 m=21
